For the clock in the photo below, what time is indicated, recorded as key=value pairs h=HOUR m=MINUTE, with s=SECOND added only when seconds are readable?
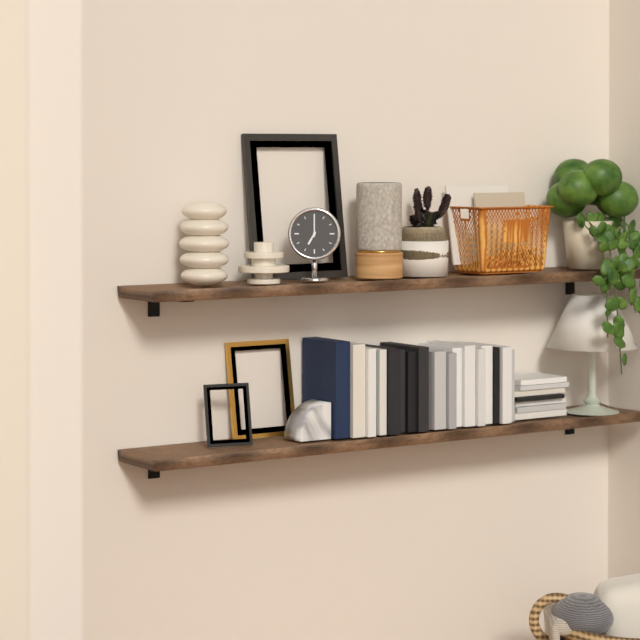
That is h=7 m=0
